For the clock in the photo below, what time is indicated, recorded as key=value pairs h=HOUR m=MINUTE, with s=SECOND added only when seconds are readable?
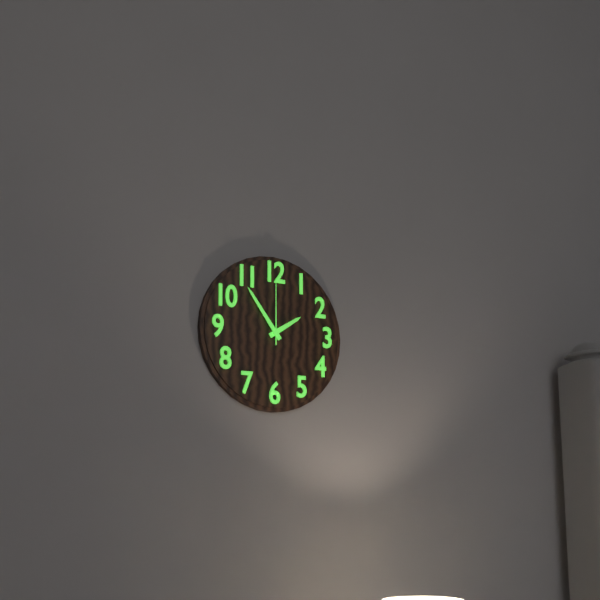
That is h=1 m=54 s=0
